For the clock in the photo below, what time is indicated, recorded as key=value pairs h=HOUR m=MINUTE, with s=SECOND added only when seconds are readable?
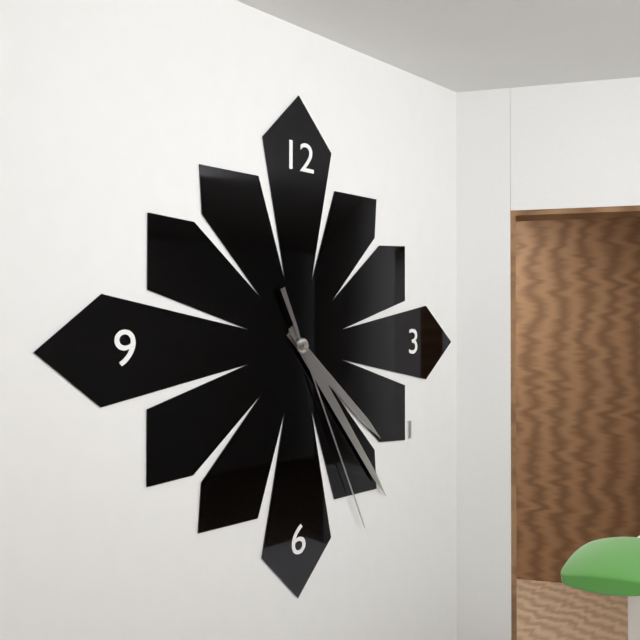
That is h=4 m=24 s=26
